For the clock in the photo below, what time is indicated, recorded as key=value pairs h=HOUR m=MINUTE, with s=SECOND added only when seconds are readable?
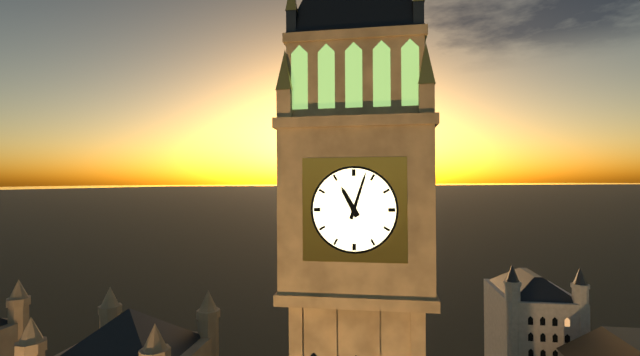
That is h=11 m=3
